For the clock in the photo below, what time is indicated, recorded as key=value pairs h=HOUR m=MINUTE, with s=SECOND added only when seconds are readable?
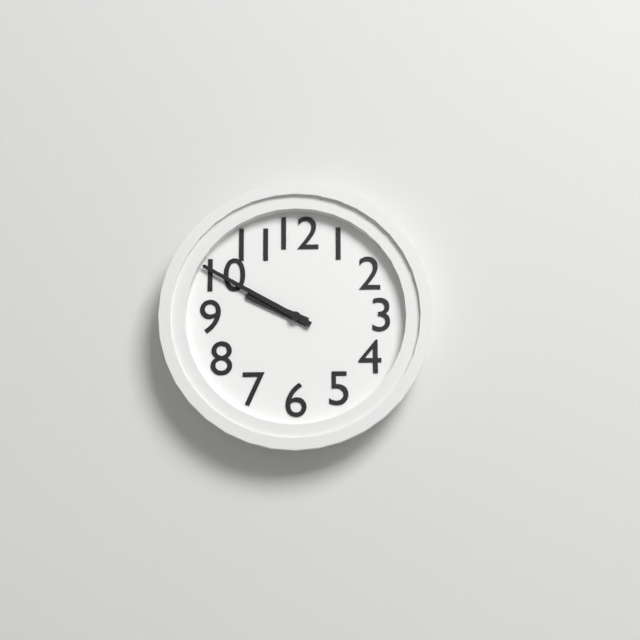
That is h=9 m=50
